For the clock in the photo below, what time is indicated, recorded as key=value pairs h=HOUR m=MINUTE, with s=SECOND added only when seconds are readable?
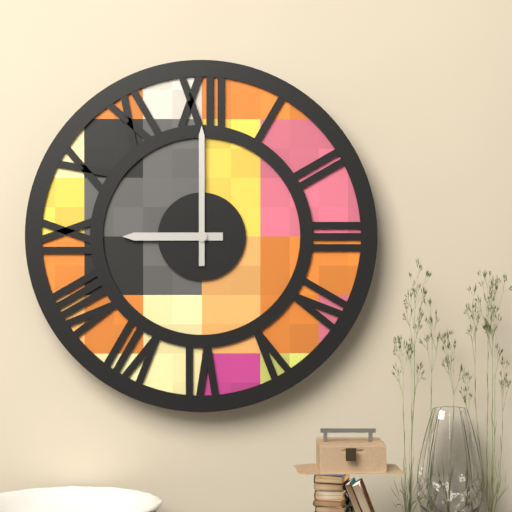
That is h=9 m=0
